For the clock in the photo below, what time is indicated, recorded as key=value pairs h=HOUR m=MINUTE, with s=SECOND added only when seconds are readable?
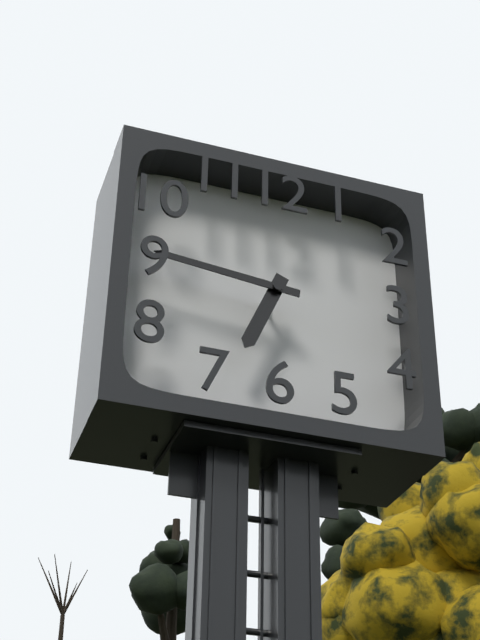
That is h=6 m=46
